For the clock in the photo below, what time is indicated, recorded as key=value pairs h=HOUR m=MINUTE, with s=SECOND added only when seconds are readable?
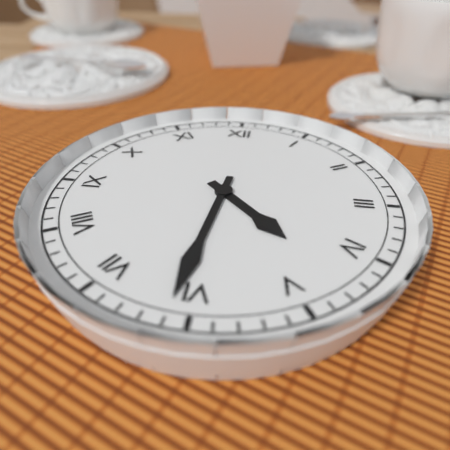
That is h=4 m=31
